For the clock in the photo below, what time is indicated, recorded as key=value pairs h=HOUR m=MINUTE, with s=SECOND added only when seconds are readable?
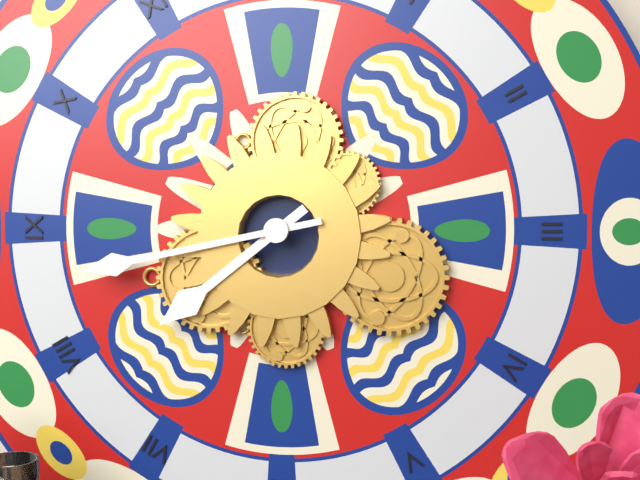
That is h=7 m=43
